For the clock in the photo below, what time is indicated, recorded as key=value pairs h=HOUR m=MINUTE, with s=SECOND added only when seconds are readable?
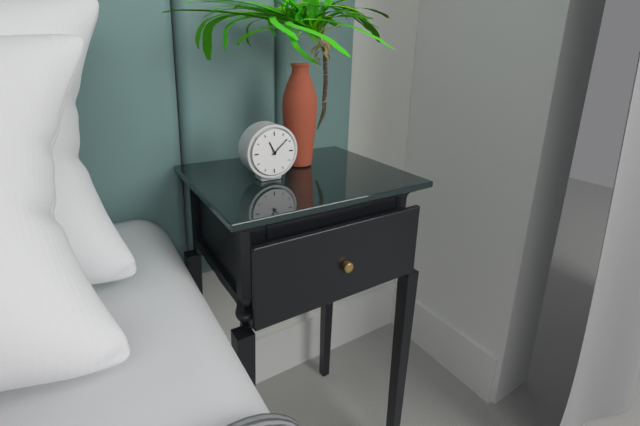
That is h=11 m=8
